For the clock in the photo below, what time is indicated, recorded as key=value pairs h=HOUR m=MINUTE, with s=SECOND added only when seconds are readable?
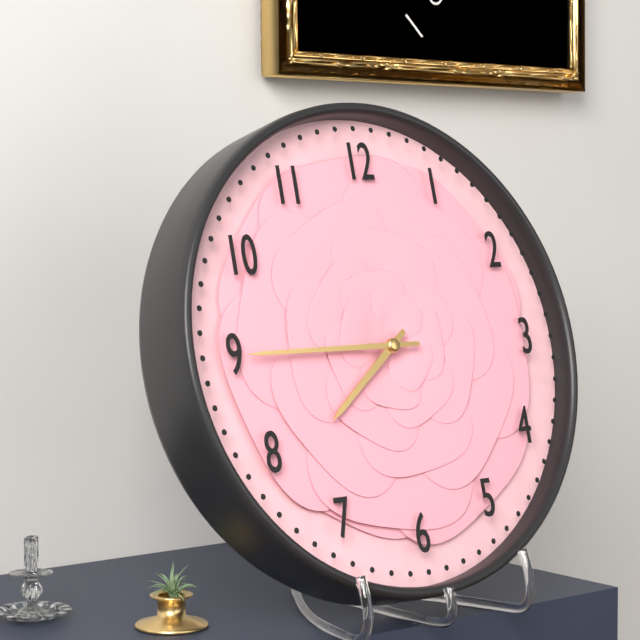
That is h=7 m=45
